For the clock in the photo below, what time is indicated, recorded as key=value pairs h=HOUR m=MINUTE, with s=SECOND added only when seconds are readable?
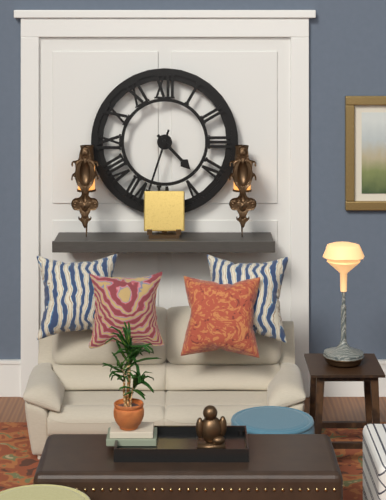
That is h=4 m=33
